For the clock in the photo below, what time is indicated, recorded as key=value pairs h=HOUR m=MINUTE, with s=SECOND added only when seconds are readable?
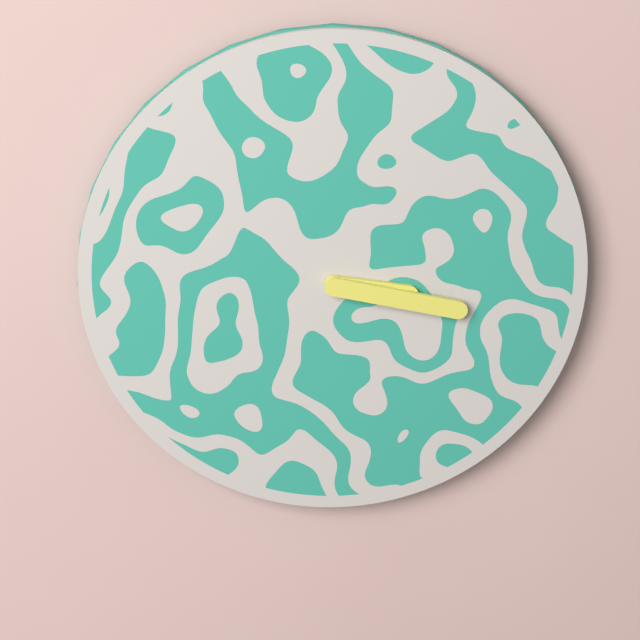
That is h=3 m=17
